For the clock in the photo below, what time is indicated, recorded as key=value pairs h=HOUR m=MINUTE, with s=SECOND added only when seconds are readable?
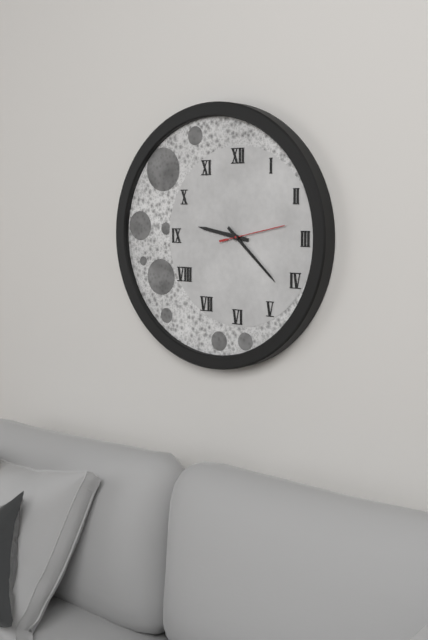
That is h=9 m=22 s=13
